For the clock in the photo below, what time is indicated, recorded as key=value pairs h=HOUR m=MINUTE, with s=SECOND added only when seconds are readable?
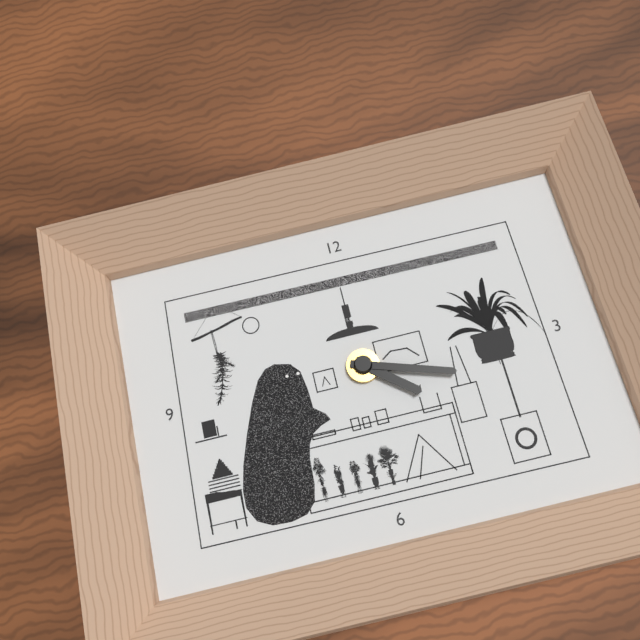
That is h=4 m=18
